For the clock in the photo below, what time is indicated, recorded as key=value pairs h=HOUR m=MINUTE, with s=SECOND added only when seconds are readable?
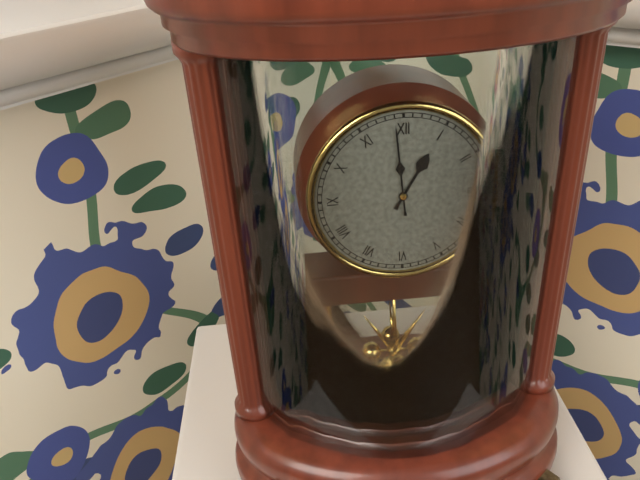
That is h=12 m=59
